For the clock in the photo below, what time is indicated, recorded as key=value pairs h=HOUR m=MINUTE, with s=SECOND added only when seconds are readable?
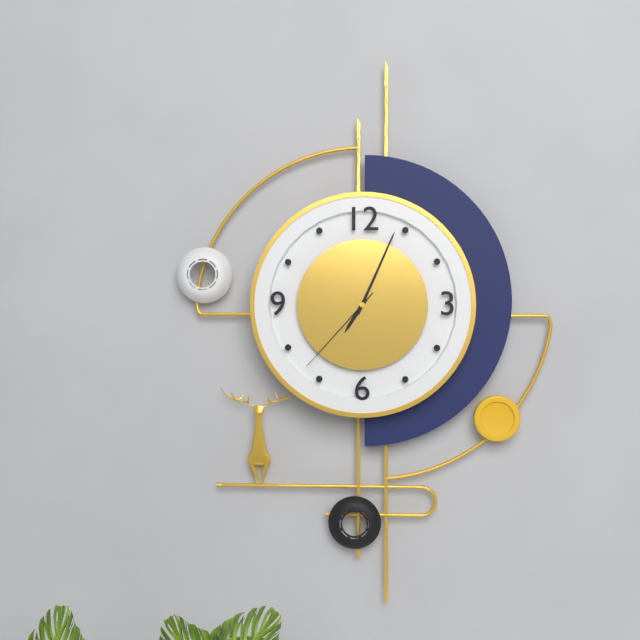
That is h=7 m=4 s=37
